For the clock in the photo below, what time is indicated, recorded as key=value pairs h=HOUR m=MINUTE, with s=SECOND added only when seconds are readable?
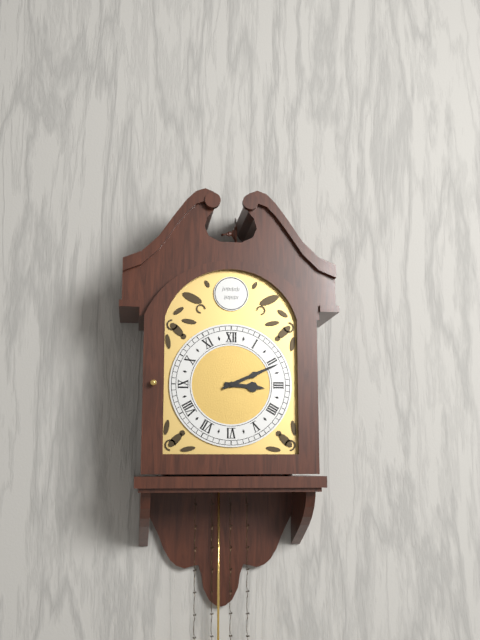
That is h=3 m=11
